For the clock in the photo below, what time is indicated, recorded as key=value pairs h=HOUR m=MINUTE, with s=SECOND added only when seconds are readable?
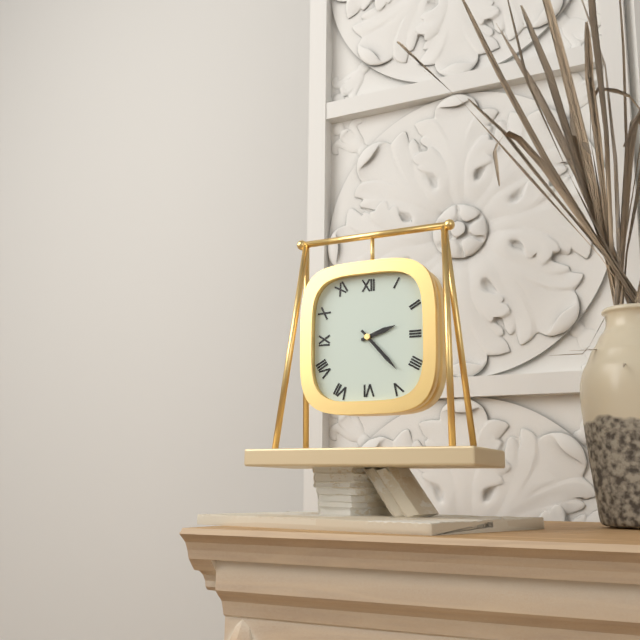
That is h=2 m=23
